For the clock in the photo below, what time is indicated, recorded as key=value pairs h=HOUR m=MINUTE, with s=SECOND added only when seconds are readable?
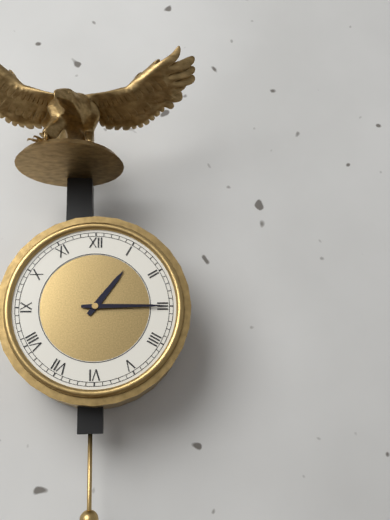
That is h=1 m=15
